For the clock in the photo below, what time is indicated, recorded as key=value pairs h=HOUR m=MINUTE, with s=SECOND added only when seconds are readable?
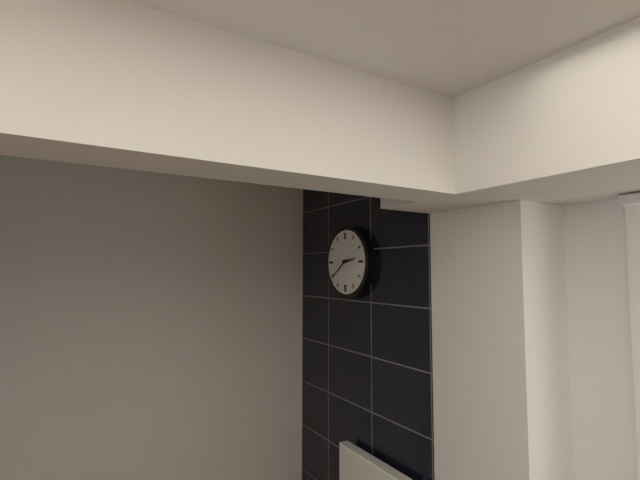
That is h=2 m=39
